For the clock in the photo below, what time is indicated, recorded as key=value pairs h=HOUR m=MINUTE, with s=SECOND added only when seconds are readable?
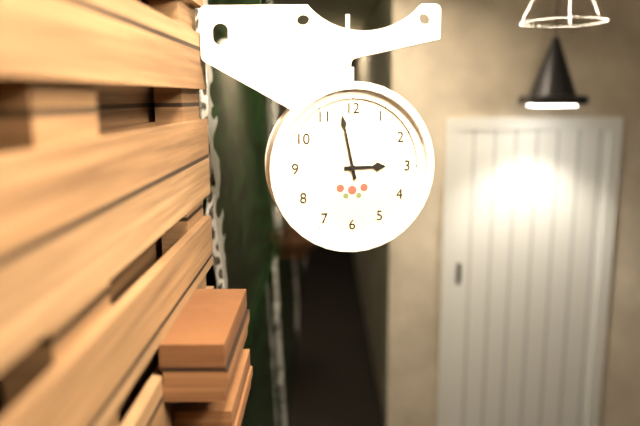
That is h=2 m=58
